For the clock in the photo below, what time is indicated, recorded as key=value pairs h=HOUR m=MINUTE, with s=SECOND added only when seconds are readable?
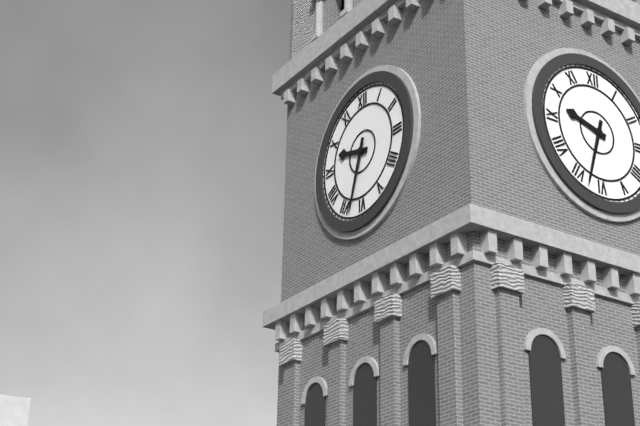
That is h=9 m=33
